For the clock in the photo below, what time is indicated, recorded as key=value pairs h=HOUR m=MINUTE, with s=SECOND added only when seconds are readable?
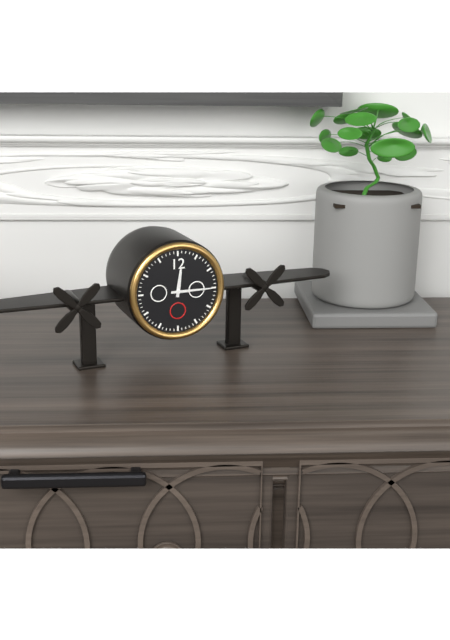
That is h=12 m=15
